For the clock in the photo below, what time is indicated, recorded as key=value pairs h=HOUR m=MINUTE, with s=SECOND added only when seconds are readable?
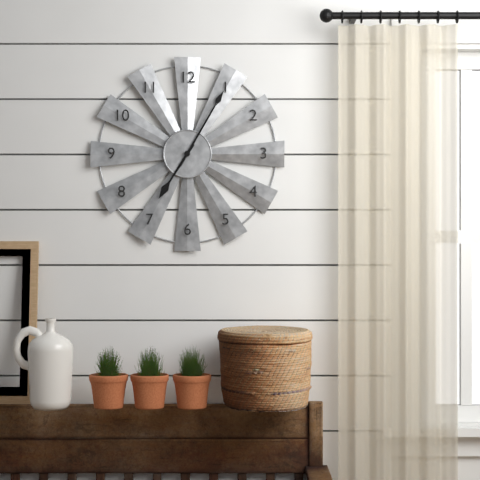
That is h=7 m=5
